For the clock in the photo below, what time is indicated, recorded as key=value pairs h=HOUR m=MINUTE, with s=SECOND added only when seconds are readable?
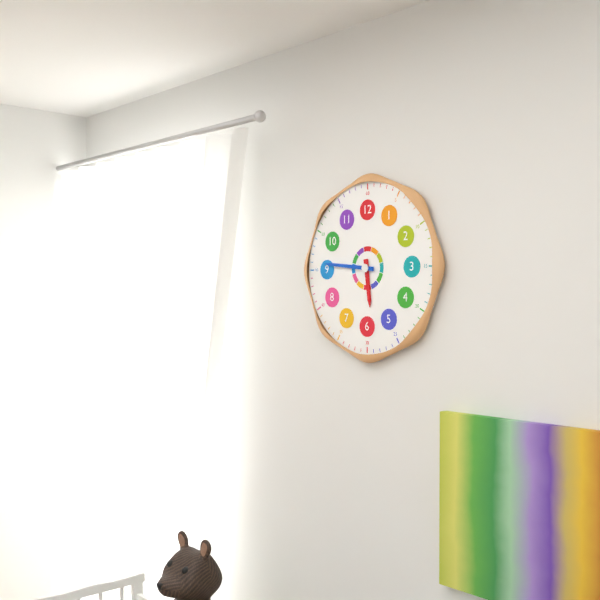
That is h=5 m=46
